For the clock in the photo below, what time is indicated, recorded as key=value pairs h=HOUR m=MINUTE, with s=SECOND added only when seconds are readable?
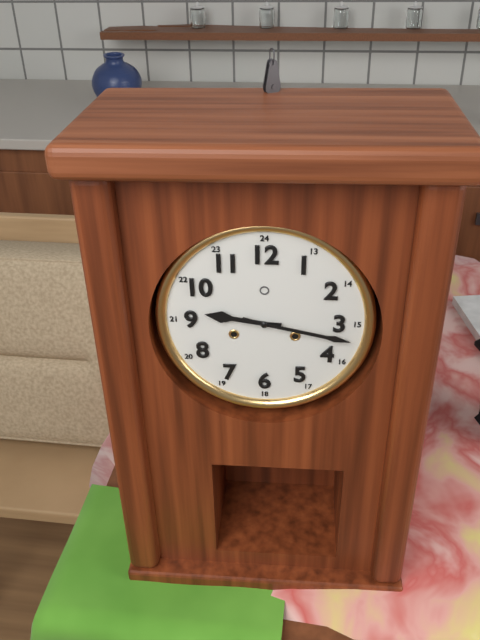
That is h=9 m=17
